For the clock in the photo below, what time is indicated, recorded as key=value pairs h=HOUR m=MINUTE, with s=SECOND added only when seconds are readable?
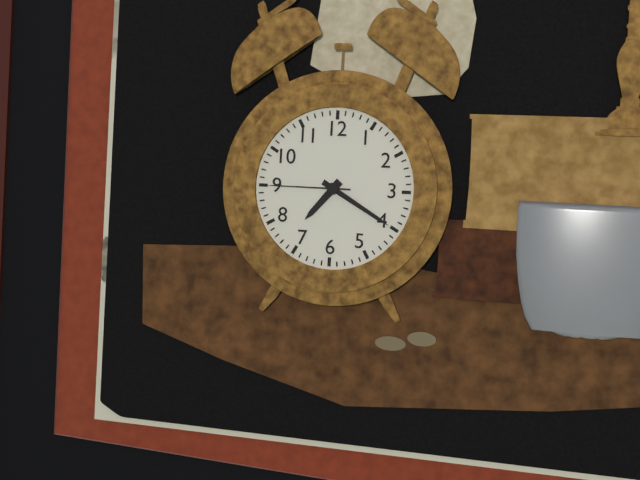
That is h=7 m=20 s=45
